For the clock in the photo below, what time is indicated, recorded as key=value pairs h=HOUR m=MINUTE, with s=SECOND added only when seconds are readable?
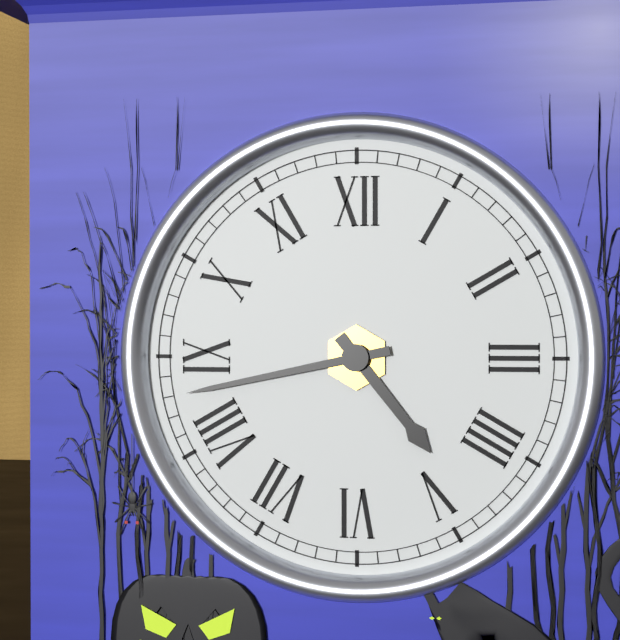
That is h=4 m=43
